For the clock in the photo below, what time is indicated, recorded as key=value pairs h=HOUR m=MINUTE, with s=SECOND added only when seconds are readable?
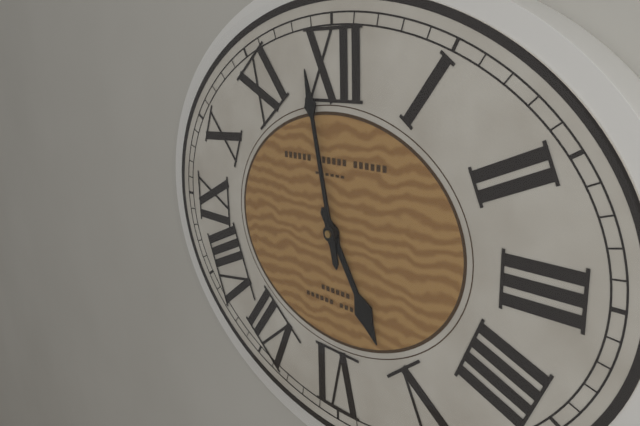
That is h=4 m=58
